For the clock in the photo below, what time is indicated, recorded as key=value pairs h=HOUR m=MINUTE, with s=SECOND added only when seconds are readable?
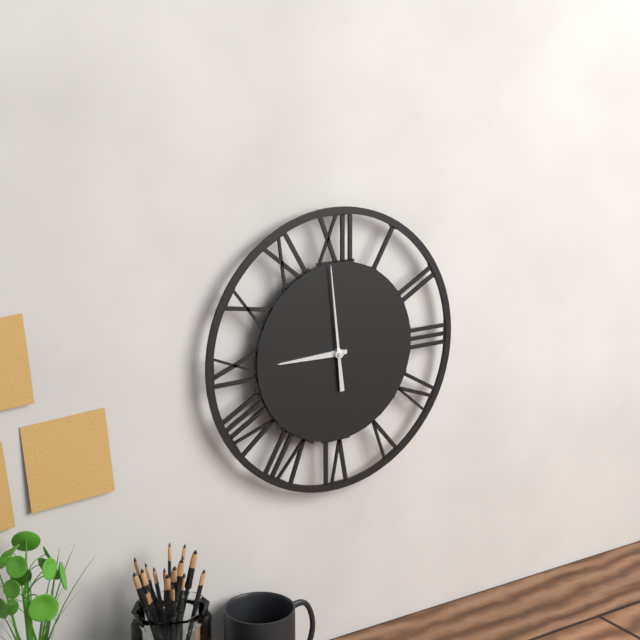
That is h=8 m=59
